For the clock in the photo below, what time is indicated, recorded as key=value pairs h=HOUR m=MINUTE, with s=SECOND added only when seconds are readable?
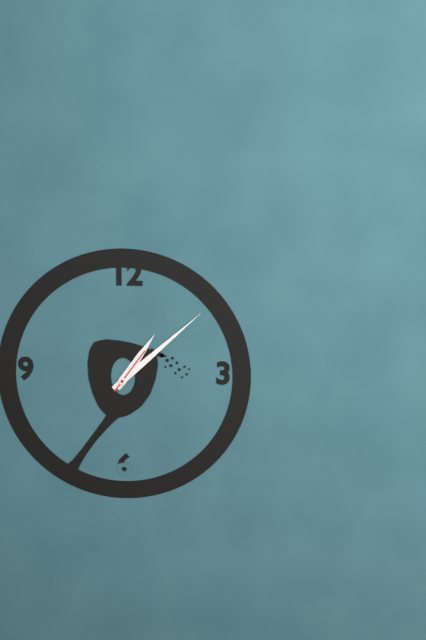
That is h=1 m=8
